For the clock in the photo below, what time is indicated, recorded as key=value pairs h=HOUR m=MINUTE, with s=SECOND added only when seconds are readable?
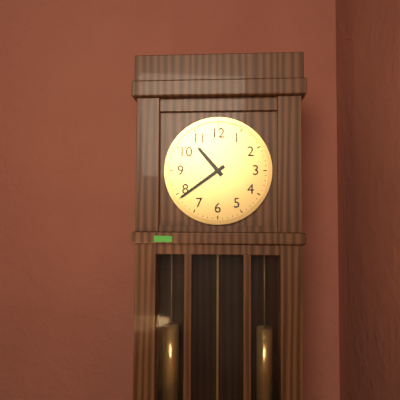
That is h=10 m=39
